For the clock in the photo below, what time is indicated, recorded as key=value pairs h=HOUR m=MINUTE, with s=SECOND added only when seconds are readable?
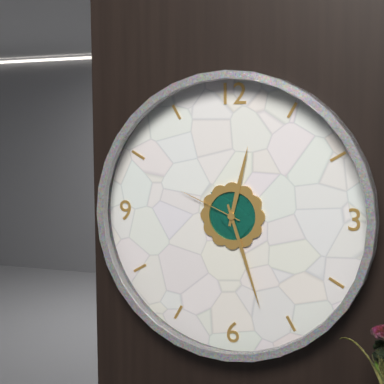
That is h=12 m=27 s=49
